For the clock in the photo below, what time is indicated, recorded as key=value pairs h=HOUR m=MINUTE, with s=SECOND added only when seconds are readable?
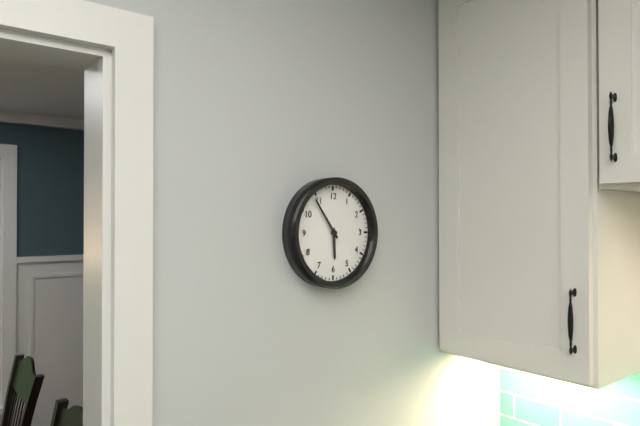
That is h=5 m=54
